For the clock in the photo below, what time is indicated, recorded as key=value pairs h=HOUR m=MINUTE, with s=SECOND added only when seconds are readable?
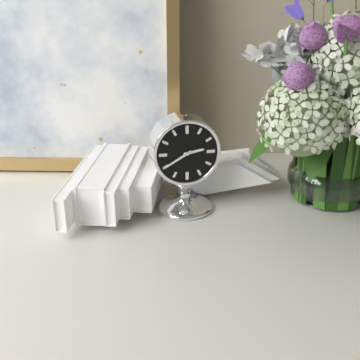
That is h=2 m=40
